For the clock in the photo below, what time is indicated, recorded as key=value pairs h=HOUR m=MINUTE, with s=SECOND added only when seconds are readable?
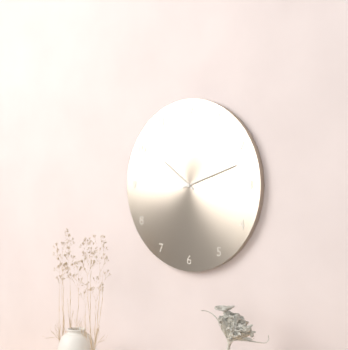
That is h=10 m=12
